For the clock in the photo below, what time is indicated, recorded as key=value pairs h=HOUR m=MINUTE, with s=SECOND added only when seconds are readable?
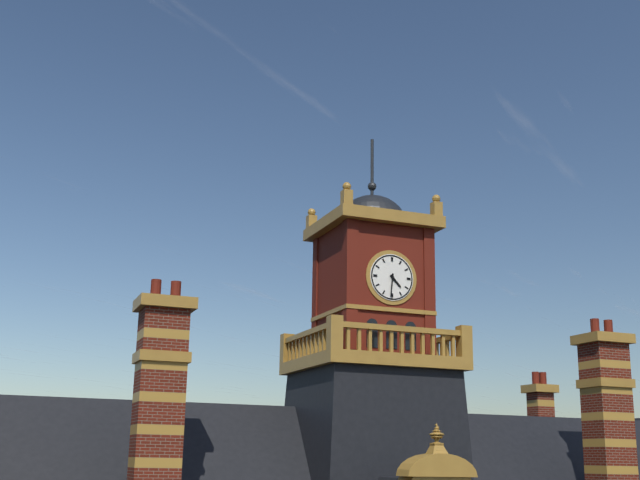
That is h=4 m=31
